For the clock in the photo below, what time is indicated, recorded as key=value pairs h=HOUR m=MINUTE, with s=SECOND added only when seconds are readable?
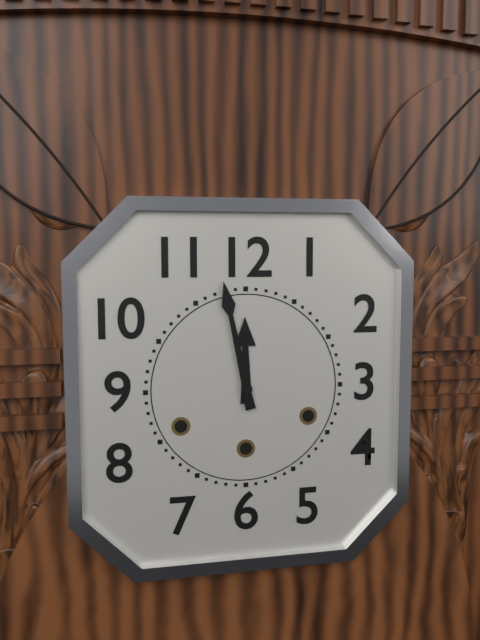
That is h=11 m=58
